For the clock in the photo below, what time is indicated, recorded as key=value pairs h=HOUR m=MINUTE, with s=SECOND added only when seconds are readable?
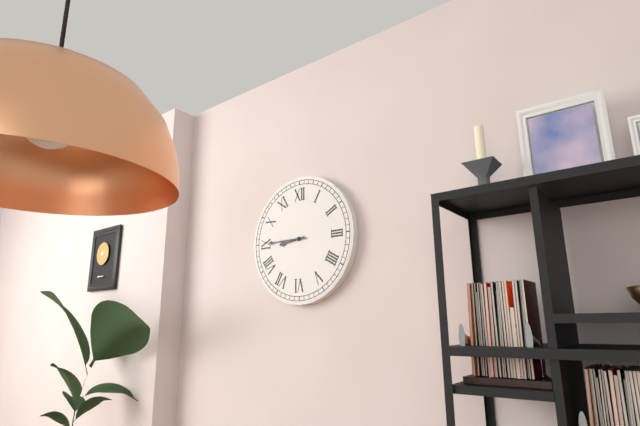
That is h=8 m=45
